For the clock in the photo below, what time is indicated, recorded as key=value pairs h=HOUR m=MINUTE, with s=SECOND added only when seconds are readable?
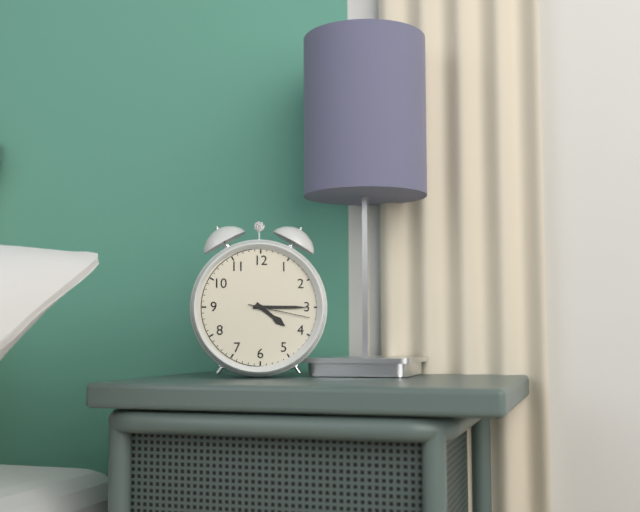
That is h=4 m=15 s=17
